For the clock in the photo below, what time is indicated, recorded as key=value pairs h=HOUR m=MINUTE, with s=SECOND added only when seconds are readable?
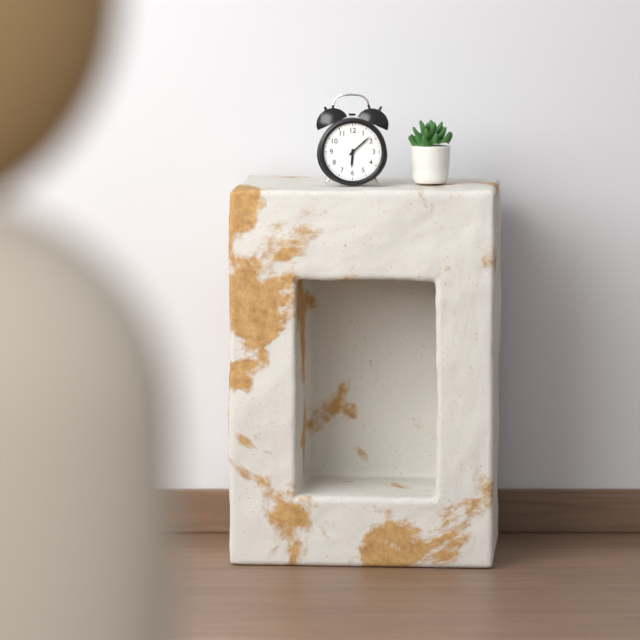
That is h=6 m=8
